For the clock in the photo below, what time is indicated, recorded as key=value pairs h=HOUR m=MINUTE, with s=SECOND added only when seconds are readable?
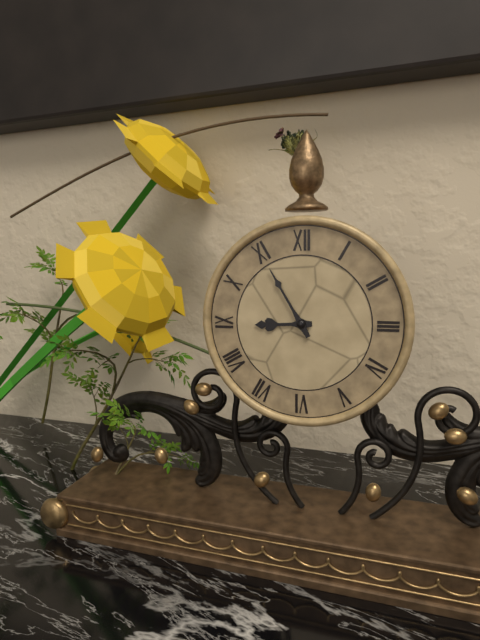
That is h=8 m=55
